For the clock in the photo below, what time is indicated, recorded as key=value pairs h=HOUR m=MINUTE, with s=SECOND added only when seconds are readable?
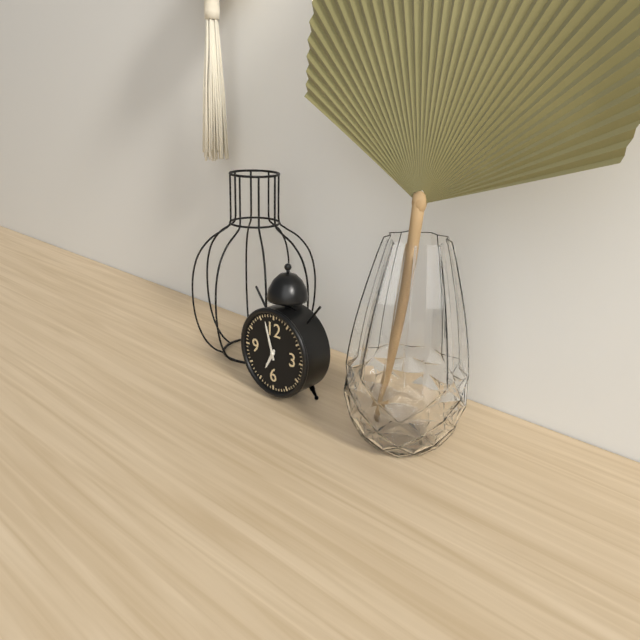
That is h=6 m=57
